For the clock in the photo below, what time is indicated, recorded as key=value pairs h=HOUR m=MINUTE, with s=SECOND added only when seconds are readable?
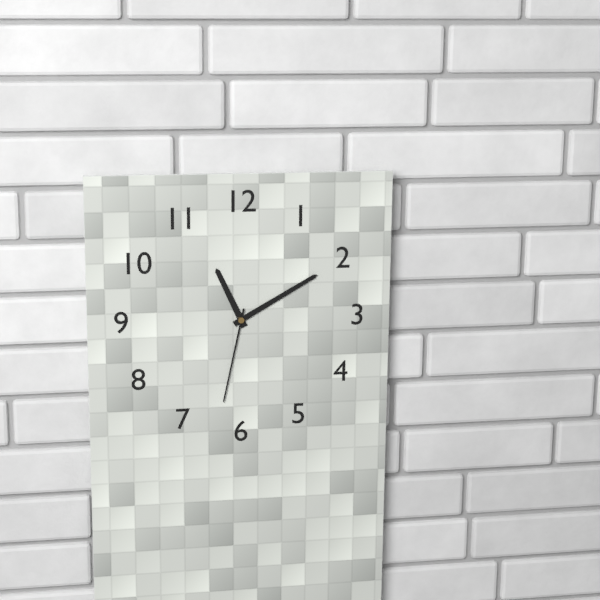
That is h=11 m=10 s=32
